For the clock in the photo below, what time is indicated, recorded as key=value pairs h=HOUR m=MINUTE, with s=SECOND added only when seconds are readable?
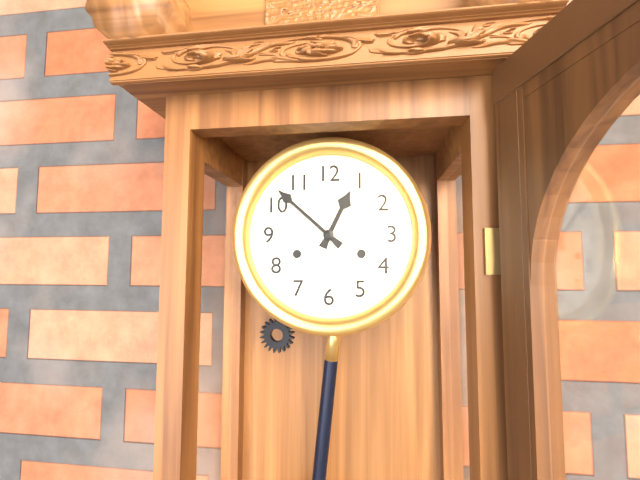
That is h=12 m=52
